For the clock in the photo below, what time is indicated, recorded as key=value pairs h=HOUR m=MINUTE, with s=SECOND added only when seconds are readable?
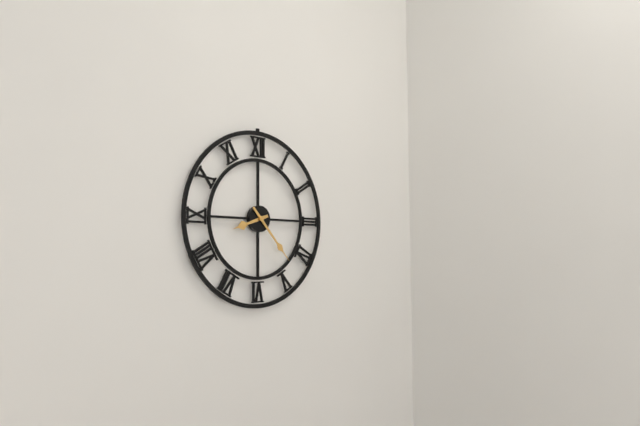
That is h=8 m=23
